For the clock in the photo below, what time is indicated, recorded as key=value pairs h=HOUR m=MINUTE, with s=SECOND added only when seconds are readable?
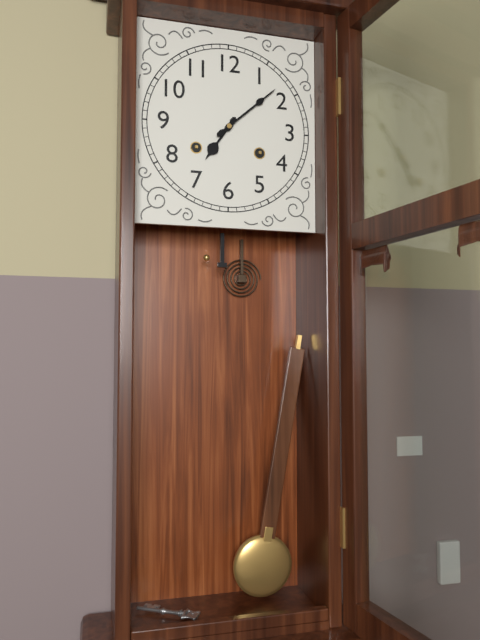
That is h=7 m=8
